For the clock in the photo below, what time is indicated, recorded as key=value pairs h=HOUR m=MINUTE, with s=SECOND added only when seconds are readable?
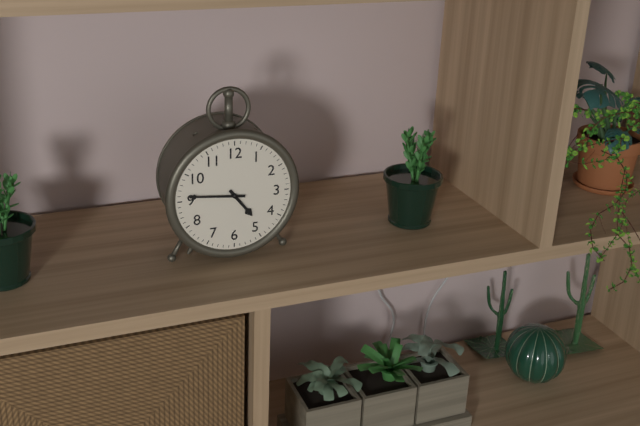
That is h=4 m=46
